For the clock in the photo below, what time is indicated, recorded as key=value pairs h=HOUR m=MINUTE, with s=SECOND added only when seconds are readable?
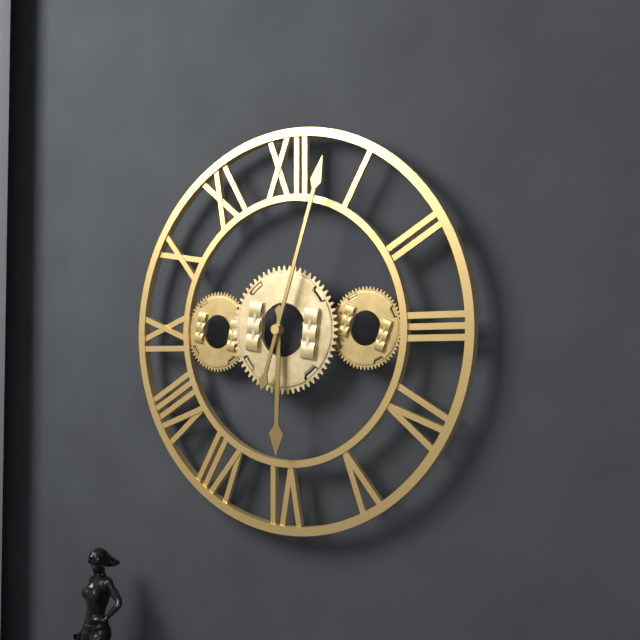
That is h=6 m=3
